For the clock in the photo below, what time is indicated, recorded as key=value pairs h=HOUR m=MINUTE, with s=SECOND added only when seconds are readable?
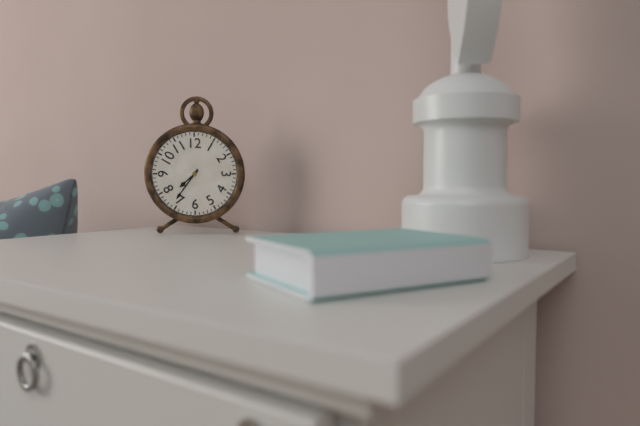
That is h=7 m=36
